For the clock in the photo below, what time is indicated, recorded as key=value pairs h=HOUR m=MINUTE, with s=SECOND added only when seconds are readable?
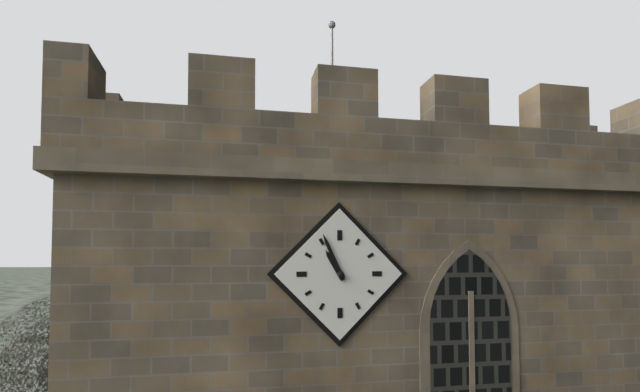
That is h=10 m=56
